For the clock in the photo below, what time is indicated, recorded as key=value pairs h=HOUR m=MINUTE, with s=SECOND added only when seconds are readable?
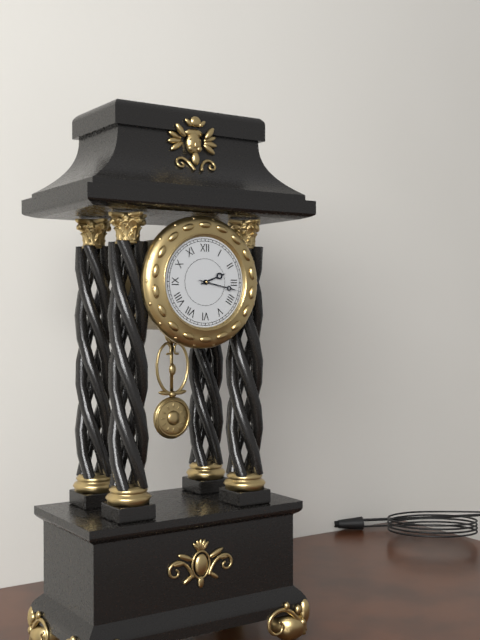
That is h=2 m=17
